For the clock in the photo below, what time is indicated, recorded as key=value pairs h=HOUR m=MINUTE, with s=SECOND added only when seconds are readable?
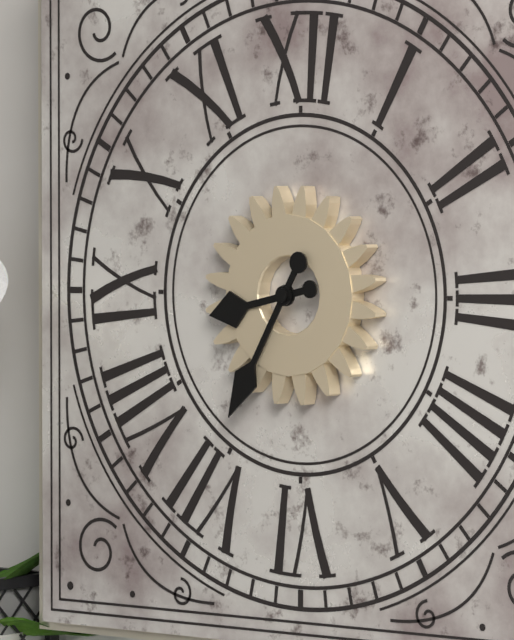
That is h=8 m=35
